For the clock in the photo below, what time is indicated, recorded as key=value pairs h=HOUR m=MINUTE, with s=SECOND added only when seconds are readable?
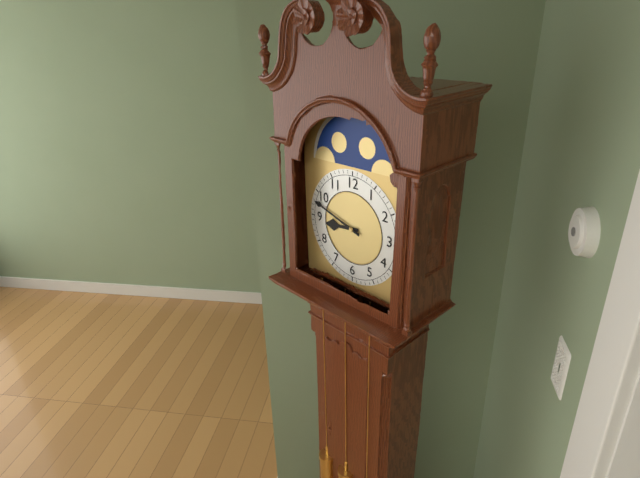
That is h=8 m=48
